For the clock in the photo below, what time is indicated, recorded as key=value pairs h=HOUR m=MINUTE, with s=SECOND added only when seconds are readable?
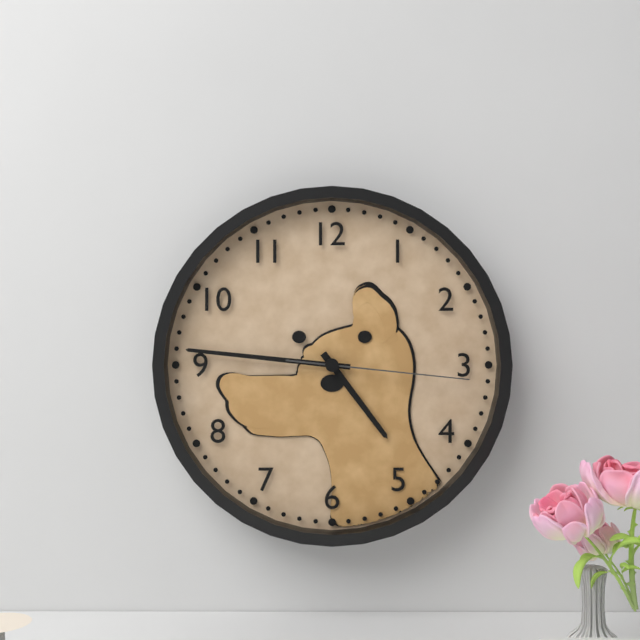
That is h=4 m=46 s=16
